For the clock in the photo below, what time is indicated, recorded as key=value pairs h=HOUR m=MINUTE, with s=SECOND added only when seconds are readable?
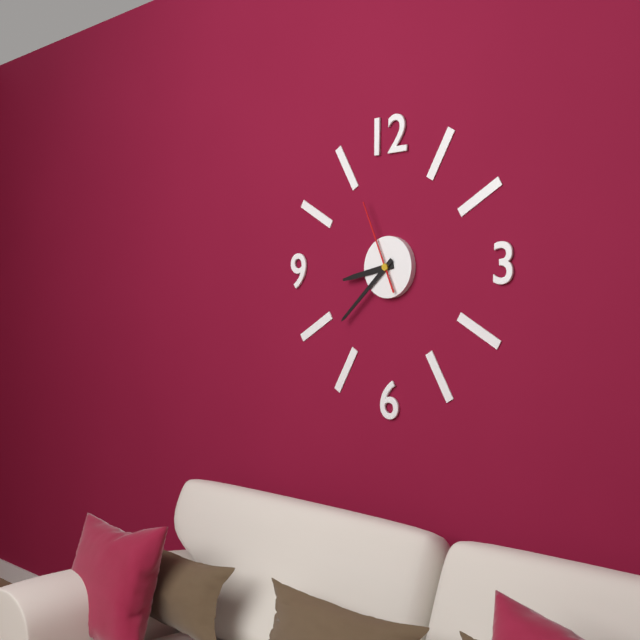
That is h=8 m=38 s=56
